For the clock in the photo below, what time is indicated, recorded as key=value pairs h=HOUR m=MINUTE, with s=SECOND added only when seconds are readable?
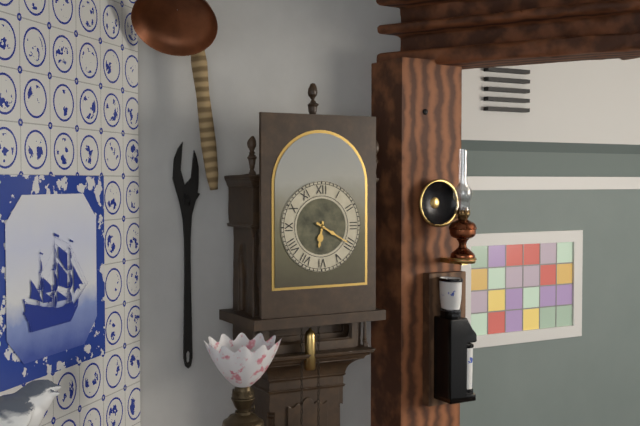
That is h=6 m=20
